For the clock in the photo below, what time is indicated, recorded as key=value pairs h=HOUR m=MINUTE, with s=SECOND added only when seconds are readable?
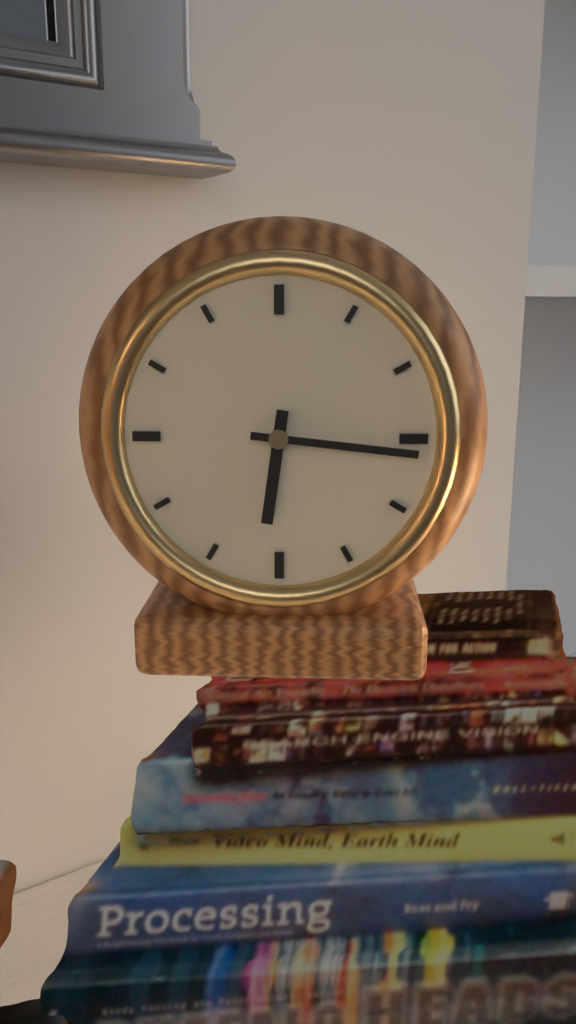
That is h=6 m=16
